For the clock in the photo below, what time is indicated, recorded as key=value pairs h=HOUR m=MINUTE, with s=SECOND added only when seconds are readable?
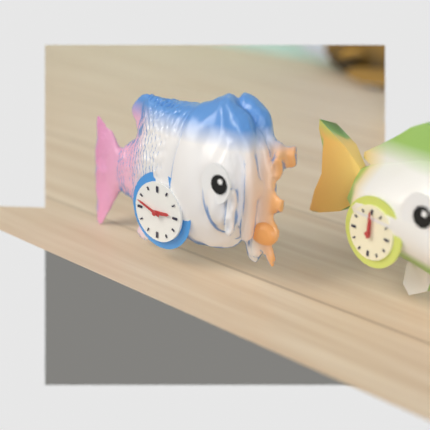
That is h=2 m=48
